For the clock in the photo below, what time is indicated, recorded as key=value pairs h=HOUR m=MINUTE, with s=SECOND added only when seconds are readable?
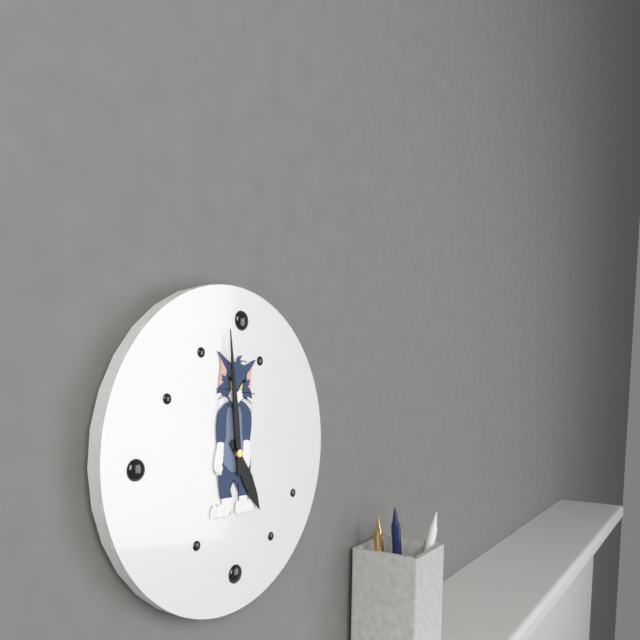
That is h=4 m=59
